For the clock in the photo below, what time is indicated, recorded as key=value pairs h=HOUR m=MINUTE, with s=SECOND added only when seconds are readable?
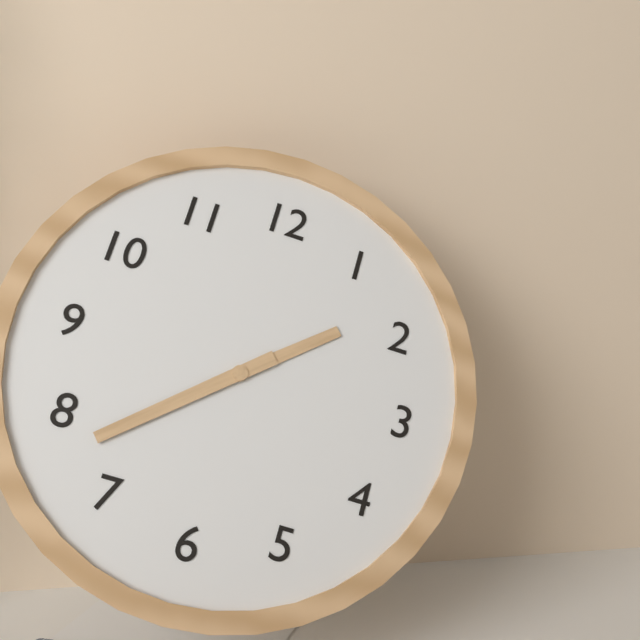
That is h=1 m=38
